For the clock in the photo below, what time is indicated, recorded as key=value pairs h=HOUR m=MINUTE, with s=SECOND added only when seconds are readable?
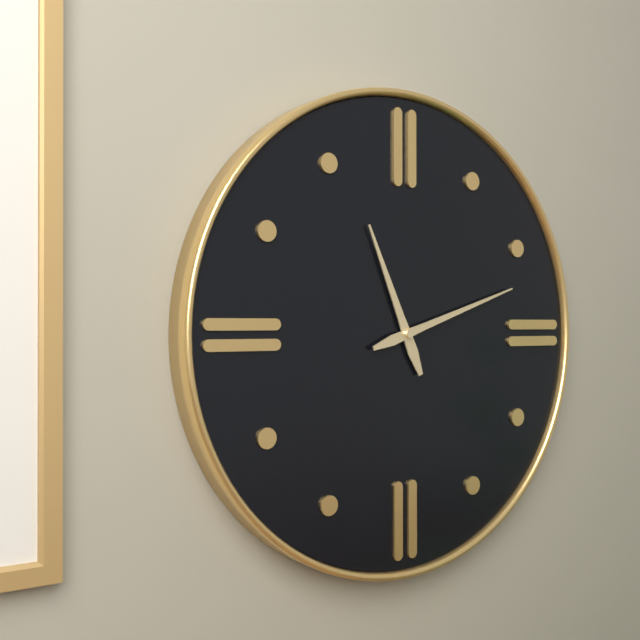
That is h=11 m=12
